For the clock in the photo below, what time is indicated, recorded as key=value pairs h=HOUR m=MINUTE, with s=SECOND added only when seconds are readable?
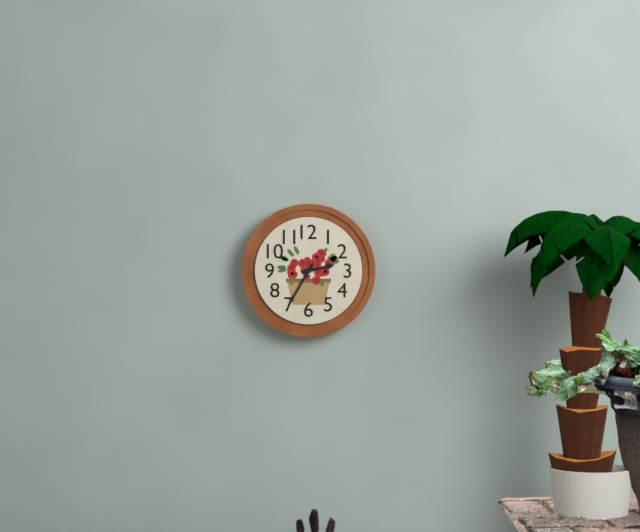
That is h=2 m=35
